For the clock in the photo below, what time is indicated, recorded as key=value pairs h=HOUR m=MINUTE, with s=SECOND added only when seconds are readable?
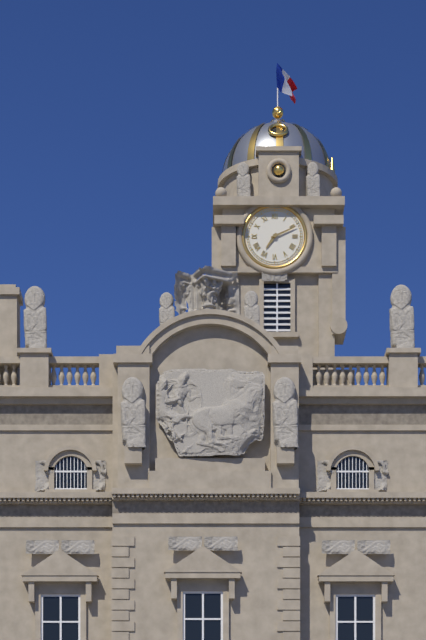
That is h=7 m=11
